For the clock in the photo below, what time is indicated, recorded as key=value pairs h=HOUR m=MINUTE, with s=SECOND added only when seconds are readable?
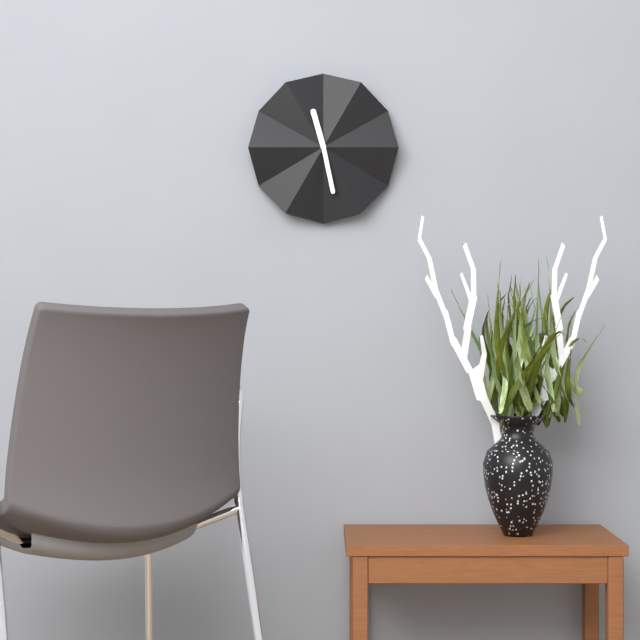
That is h=11 m=28
